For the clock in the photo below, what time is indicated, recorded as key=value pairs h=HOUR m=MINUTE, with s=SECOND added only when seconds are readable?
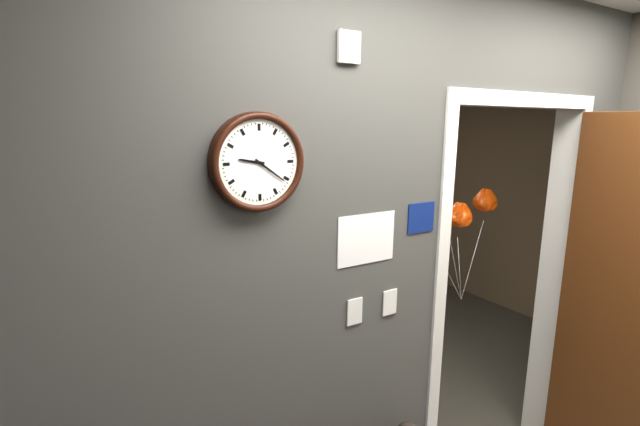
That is h=9 m=21
